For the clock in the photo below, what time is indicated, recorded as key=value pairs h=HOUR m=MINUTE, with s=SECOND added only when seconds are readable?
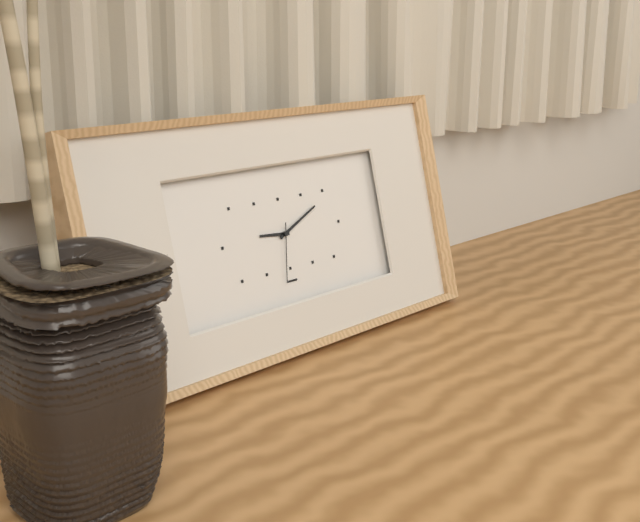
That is h=9 m=11 s=32
